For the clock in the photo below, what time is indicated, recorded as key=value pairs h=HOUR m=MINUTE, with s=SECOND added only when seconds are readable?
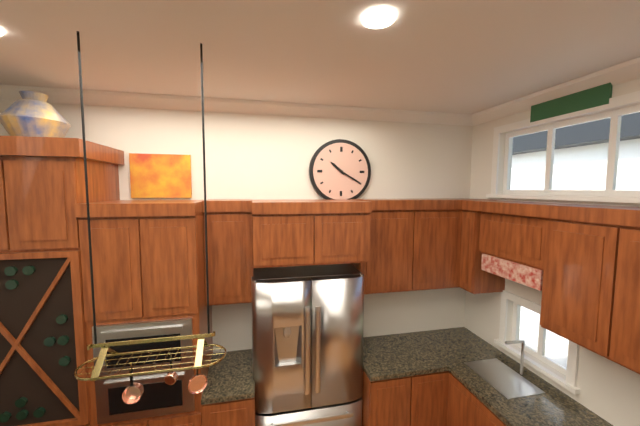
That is h=10 m=20
